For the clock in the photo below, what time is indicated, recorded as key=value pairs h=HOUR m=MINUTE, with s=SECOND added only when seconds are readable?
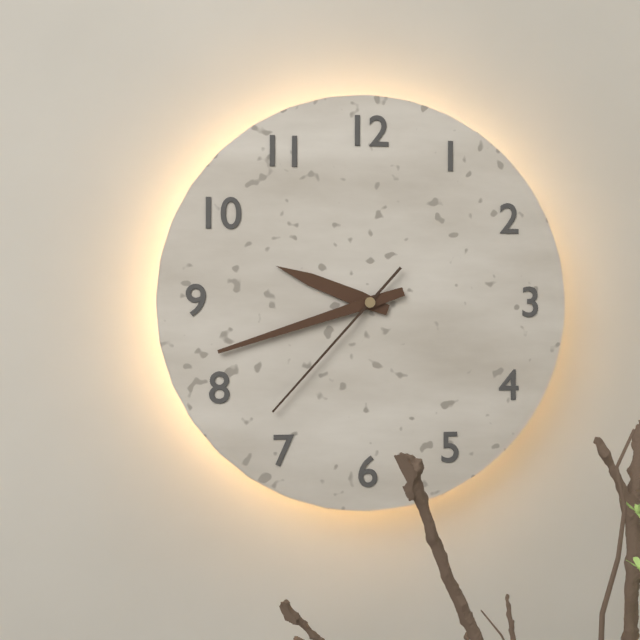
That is h=9 m=42 s=37
